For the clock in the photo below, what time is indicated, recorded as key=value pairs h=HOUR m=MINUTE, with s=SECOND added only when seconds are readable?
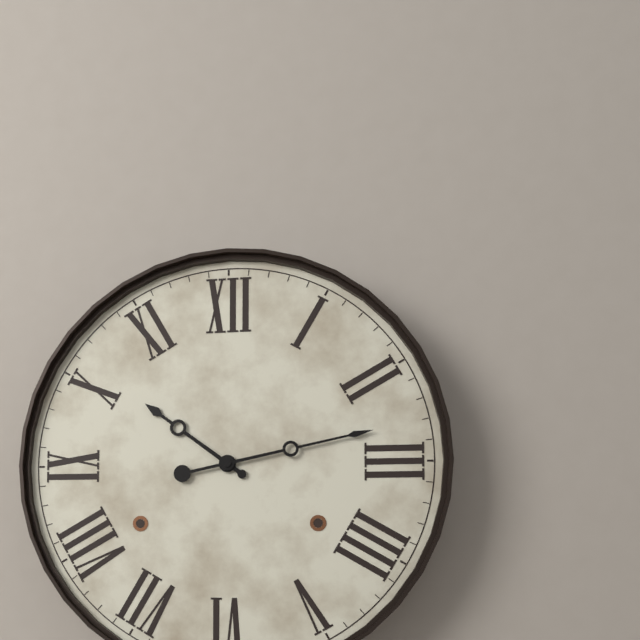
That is h=10 m=13
